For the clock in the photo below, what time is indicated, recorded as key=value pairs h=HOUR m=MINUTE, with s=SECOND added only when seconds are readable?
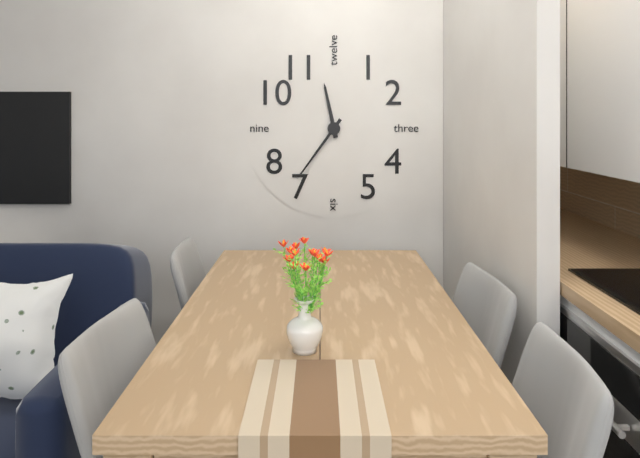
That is h=11 m=36
